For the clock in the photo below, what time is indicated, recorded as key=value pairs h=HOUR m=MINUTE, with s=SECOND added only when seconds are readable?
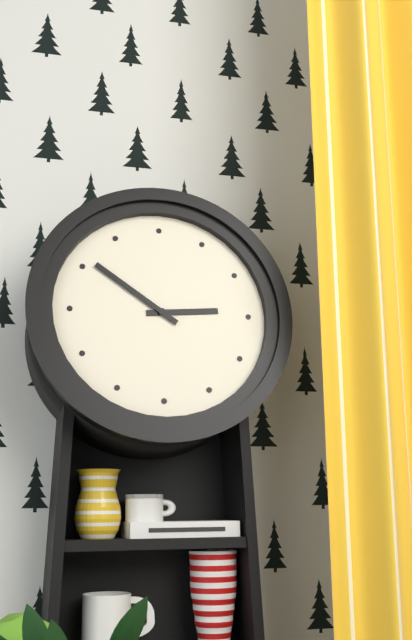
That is h=2 m=51
